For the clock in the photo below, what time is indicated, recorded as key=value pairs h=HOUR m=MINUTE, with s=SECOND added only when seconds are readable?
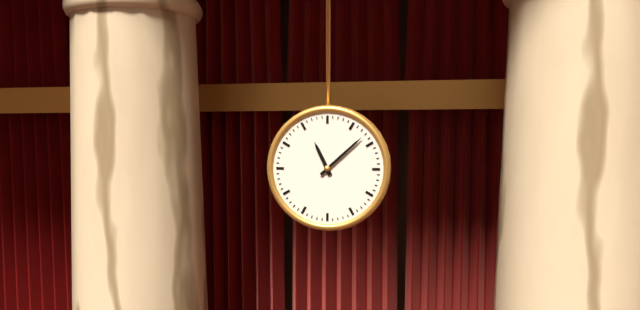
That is h=11 m=8
